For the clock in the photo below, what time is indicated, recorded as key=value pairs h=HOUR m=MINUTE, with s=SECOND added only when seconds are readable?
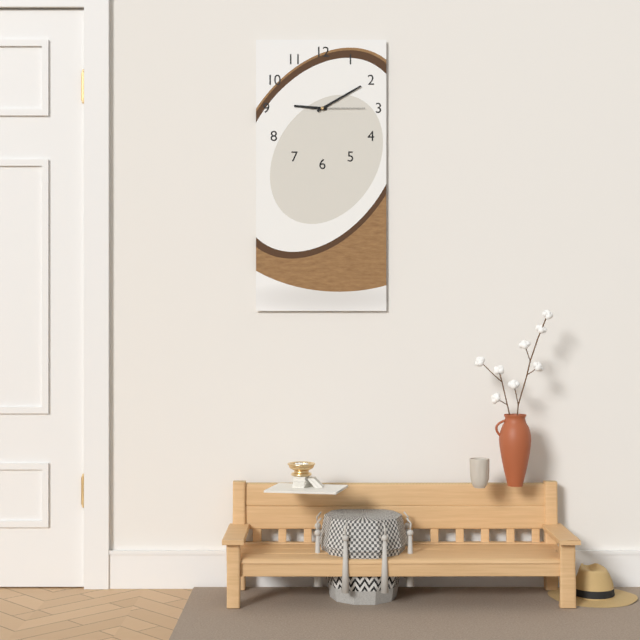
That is h=9 m=10 s=15
